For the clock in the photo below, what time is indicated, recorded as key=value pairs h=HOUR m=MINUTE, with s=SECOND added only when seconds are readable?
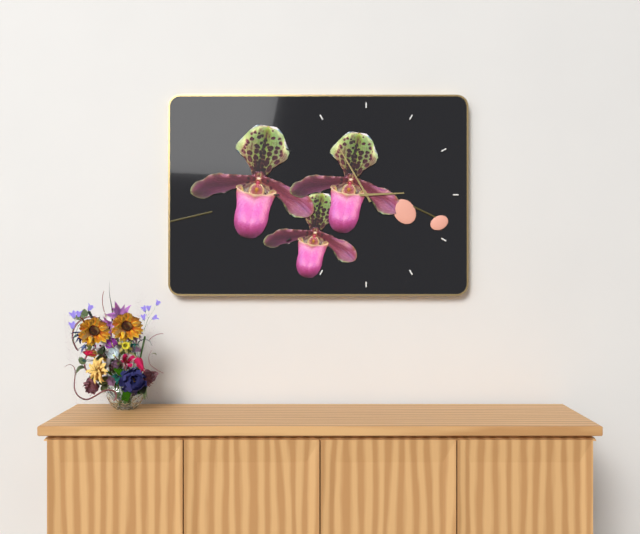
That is h=2 m=55
